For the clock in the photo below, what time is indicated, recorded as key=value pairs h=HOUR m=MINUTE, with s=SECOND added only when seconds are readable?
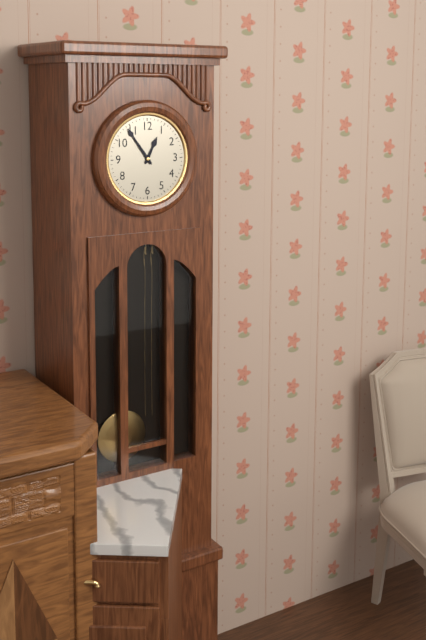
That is h=12 m=54
